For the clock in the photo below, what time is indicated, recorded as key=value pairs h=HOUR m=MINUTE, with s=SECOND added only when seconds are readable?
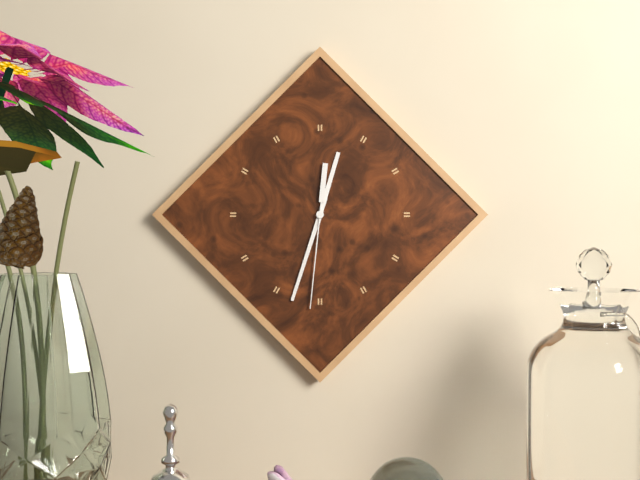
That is h=12 m=33 s=31
